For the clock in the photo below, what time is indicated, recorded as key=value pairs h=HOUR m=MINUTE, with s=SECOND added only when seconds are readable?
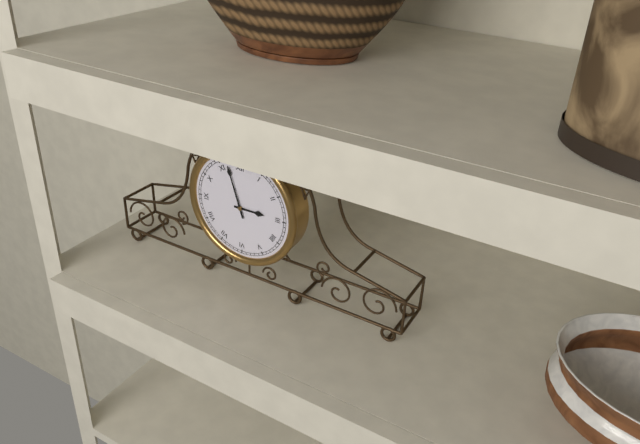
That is h=2 m=57
